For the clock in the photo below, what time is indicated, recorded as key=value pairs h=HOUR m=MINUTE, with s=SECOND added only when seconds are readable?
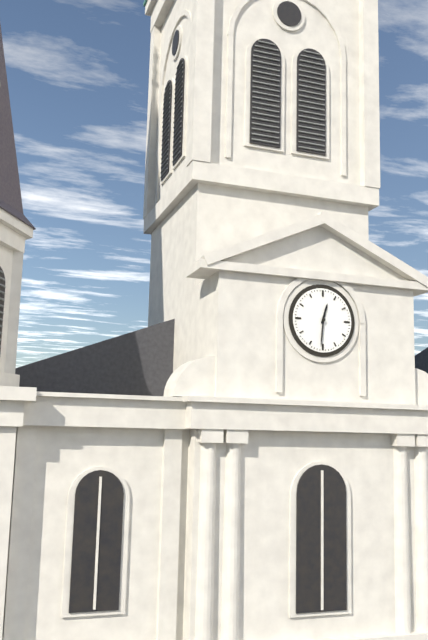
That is h=12 m=31
